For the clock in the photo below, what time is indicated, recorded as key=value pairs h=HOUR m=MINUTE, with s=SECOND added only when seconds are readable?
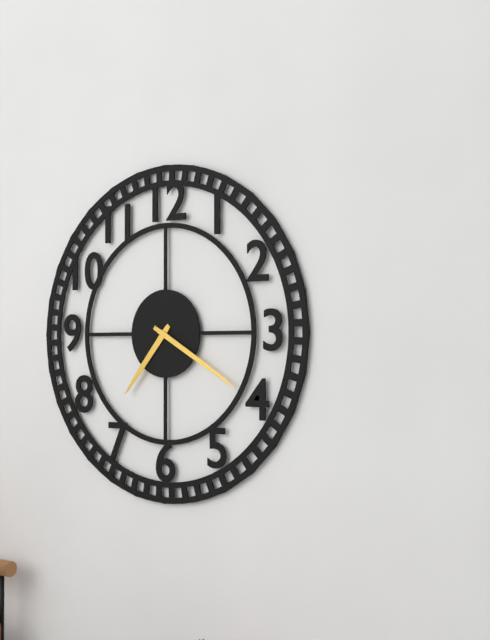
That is h=7 m=20
